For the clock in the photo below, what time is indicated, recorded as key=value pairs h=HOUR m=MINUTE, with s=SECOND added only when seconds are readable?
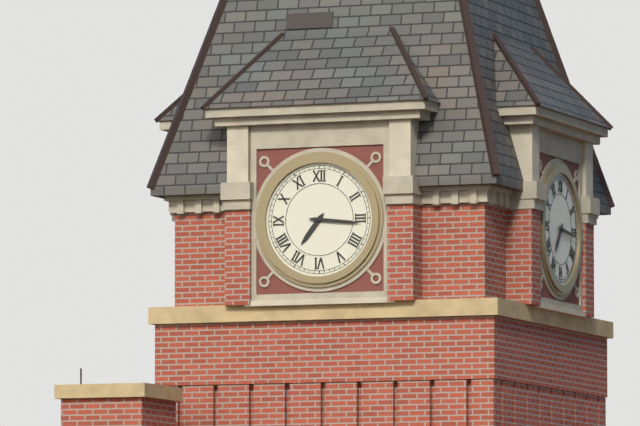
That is h=7 m=16
